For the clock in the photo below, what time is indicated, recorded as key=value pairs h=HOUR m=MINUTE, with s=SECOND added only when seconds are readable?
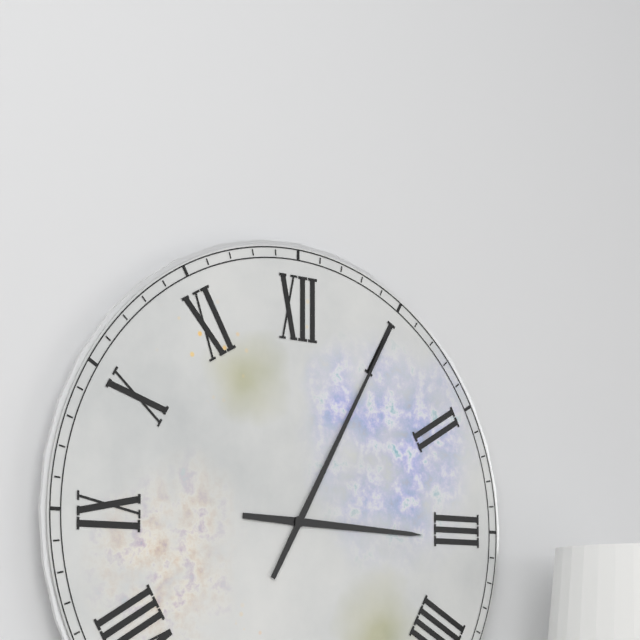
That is h=3 m=5
